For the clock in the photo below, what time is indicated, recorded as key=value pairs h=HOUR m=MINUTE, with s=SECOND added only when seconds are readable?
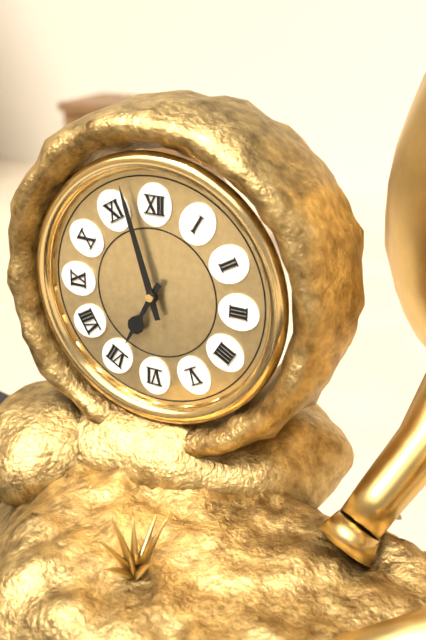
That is h=6 m=57
